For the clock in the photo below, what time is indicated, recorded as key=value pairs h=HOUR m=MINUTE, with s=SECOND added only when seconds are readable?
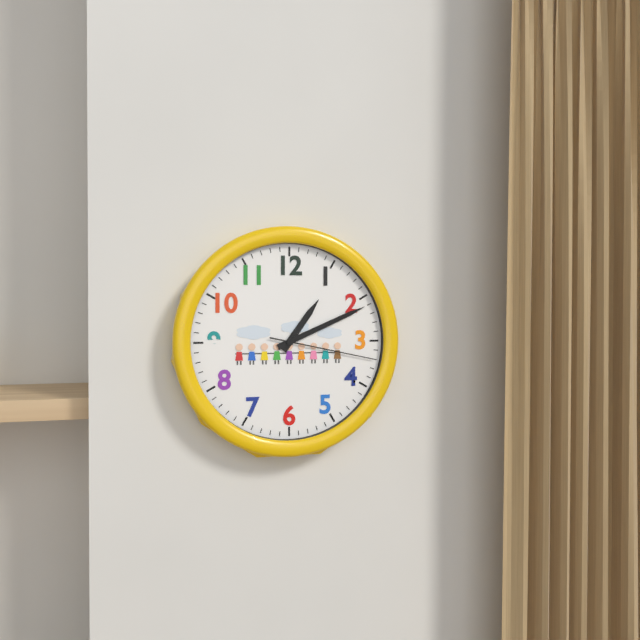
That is h=1 m=11 s=17
